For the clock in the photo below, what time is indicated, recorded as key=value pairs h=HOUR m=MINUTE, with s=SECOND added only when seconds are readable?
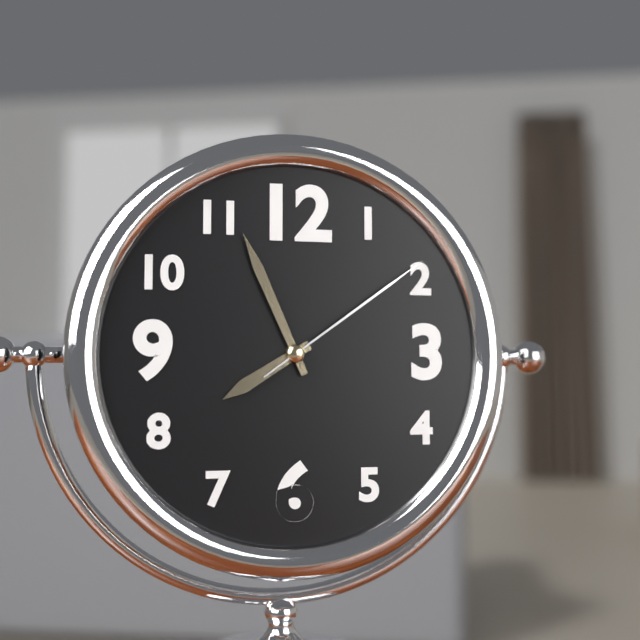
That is h=7 m=56 s=9
